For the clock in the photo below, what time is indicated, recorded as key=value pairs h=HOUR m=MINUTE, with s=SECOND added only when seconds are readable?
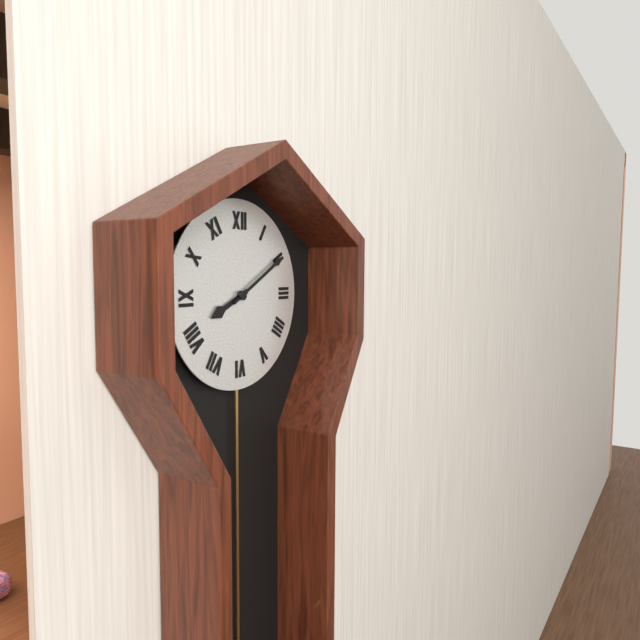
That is h=8 m=10
